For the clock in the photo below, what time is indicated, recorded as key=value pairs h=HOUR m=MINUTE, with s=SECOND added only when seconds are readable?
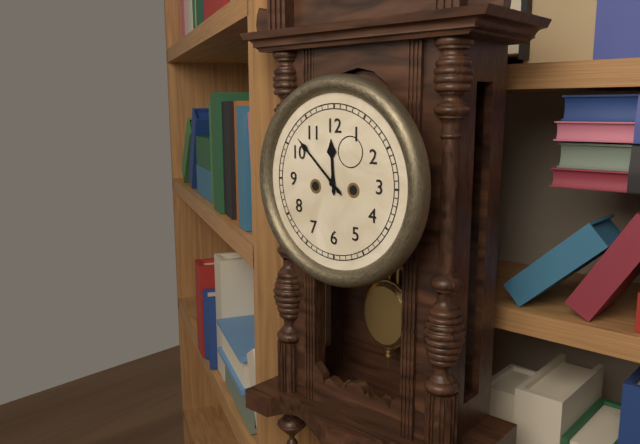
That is h=11 m=52
